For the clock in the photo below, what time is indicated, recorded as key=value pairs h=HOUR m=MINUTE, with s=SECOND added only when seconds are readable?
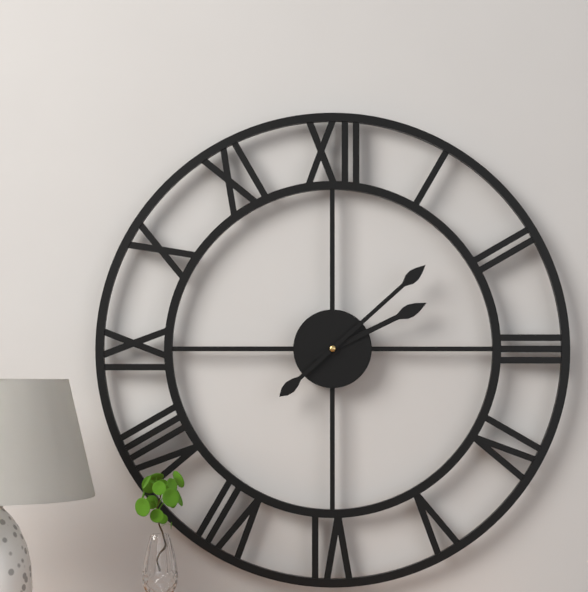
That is h=2 m=8
